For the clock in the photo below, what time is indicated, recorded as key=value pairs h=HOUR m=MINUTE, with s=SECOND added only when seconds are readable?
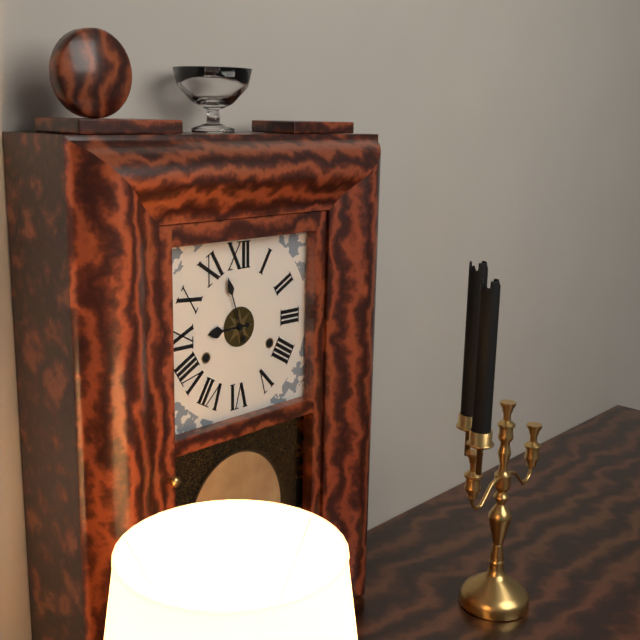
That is h=8 m=57
